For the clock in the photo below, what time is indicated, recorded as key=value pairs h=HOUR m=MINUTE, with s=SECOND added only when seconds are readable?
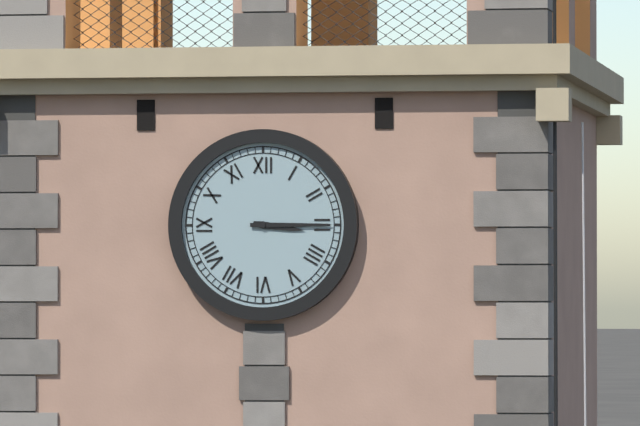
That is h=3 m=15
